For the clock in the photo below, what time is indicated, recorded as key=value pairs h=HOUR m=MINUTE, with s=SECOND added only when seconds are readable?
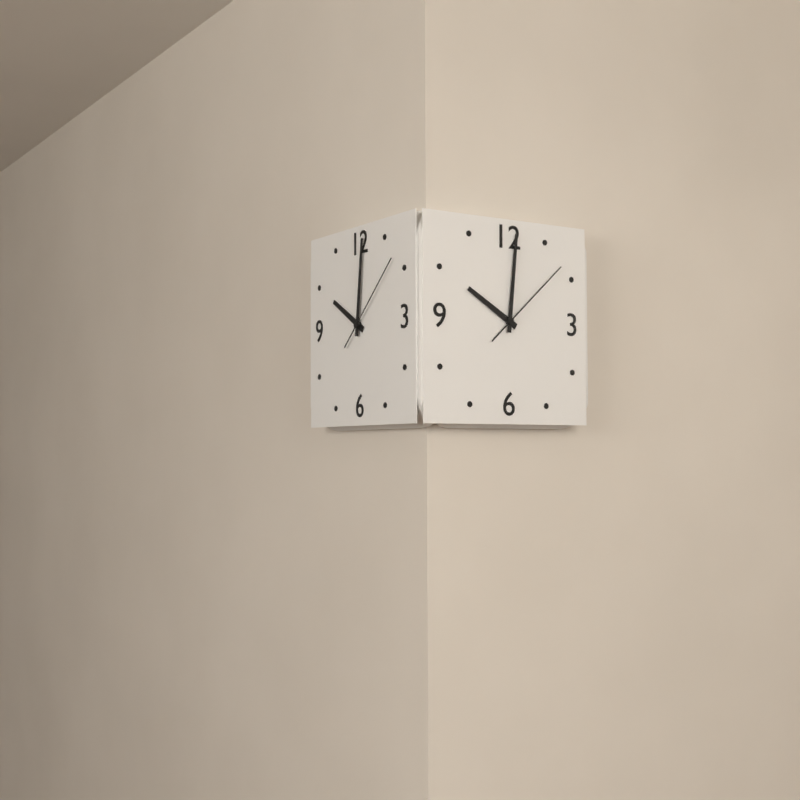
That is h=10 m=1 s=8
